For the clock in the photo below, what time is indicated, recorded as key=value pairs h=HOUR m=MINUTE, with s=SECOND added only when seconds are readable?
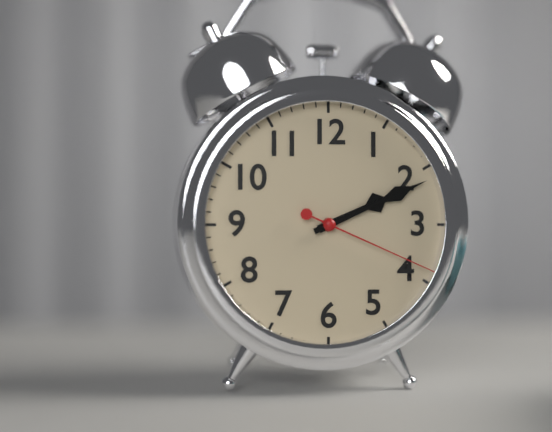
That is h=2 m=11 s=19
